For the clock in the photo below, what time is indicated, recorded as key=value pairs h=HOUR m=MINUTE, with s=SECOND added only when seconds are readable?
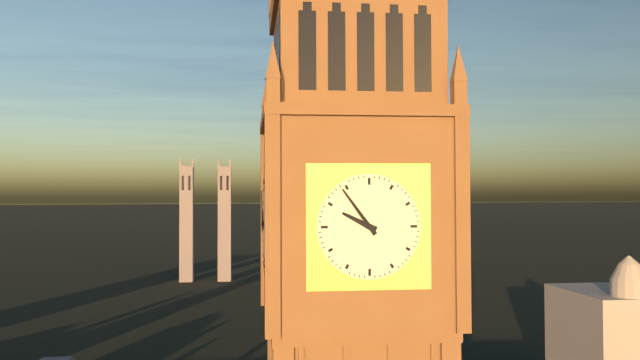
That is h=9 m=54
